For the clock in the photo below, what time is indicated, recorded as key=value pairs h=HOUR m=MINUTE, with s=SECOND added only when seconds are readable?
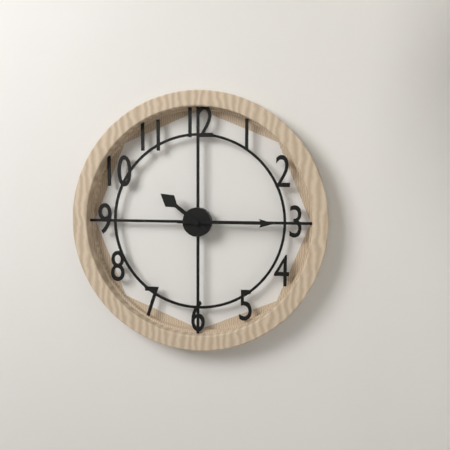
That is h=10 m=15
